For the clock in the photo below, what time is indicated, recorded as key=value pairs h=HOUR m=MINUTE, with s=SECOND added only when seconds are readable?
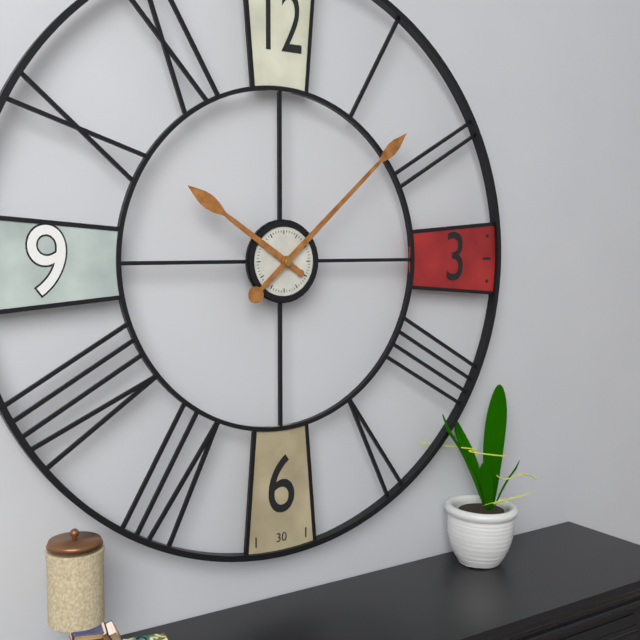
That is h=10 m=8
